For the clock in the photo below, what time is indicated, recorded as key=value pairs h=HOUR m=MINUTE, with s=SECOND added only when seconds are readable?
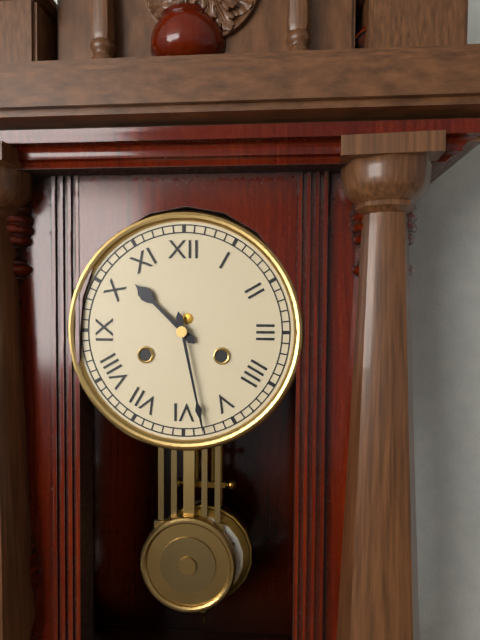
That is h=10 m=28
